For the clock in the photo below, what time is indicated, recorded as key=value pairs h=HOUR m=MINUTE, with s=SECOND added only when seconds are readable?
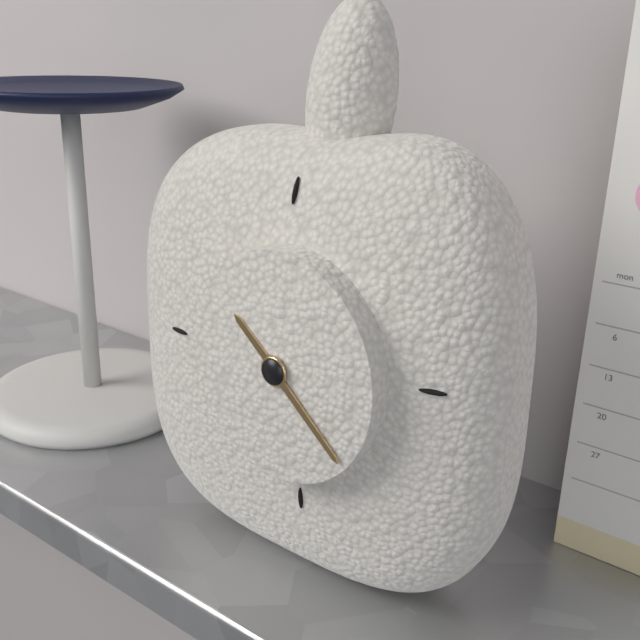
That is h=10 m=22
